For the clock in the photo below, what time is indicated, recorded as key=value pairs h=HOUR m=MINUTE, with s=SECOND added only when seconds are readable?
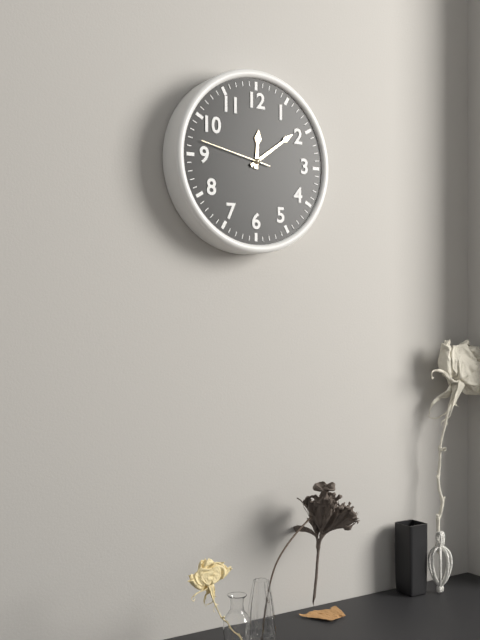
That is h=12 m=9 s=47
